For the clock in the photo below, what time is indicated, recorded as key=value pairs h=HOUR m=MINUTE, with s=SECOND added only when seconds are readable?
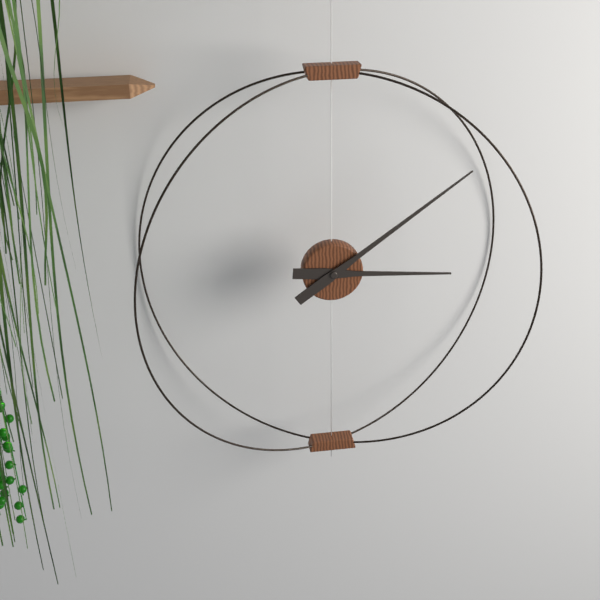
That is h=3 m=9
